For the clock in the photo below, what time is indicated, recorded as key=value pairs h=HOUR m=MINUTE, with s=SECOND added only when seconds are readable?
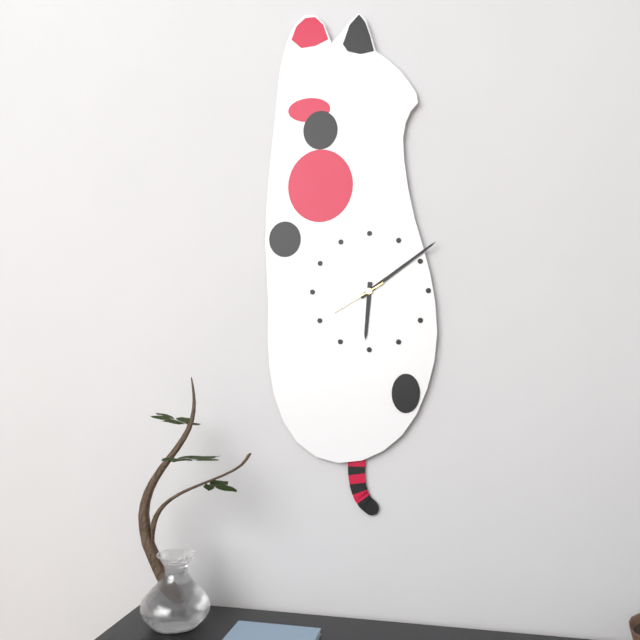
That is h=6 m=9 s=40
